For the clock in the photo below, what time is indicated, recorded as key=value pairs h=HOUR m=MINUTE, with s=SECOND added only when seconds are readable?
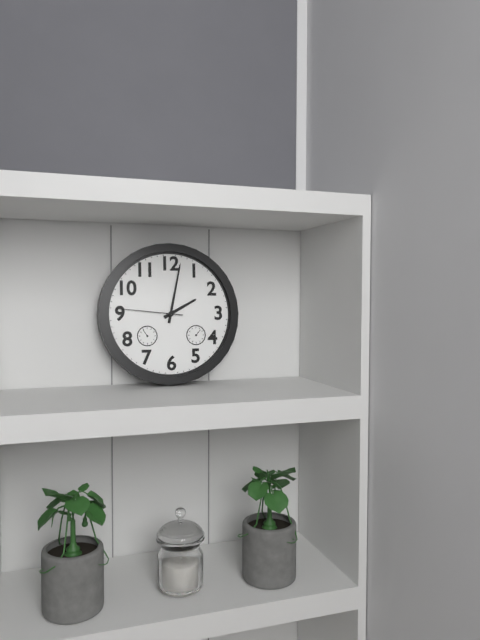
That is h=2 m=2 s=46
